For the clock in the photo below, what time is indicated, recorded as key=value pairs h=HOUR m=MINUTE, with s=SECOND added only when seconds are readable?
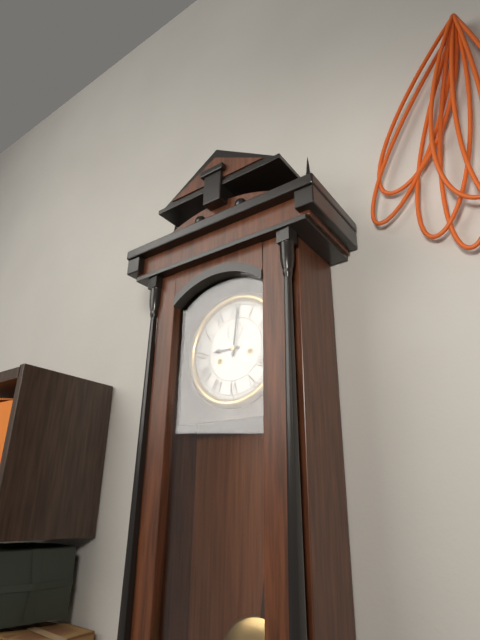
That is h=9 m=1
